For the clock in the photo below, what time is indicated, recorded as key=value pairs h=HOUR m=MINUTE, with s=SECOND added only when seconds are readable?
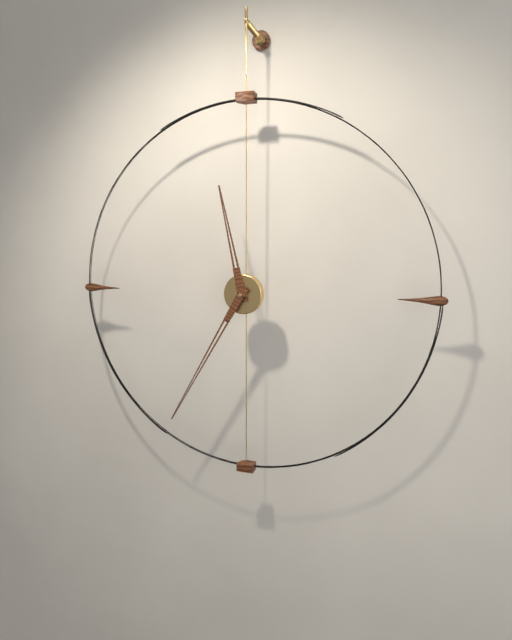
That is h=11 m=35
